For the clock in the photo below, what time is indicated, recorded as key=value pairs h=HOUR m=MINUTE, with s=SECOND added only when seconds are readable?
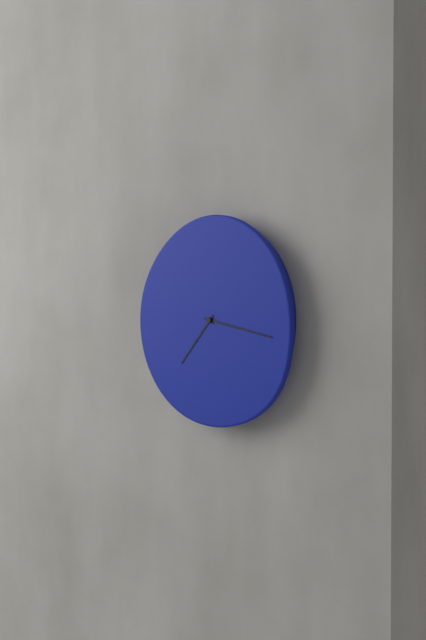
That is h=7 m=17
